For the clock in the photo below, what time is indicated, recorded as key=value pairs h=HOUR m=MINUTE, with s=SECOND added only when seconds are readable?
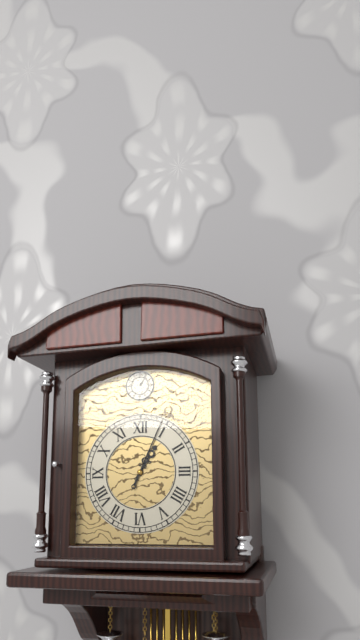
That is h=1 m=4
